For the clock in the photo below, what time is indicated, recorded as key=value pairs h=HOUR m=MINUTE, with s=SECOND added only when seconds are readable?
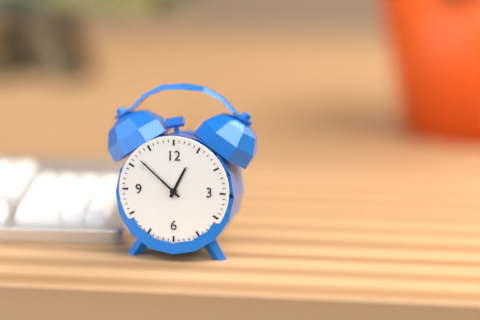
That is h=12 m=52
